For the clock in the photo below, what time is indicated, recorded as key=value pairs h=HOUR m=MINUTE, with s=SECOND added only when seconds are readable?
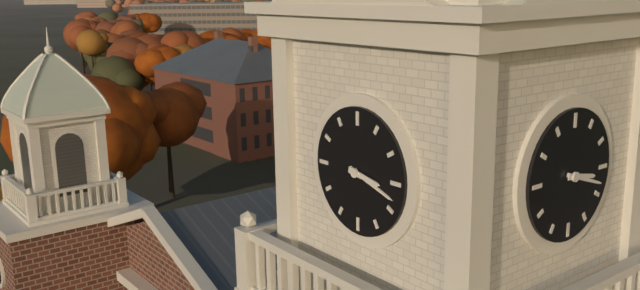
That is h=3 m=18
